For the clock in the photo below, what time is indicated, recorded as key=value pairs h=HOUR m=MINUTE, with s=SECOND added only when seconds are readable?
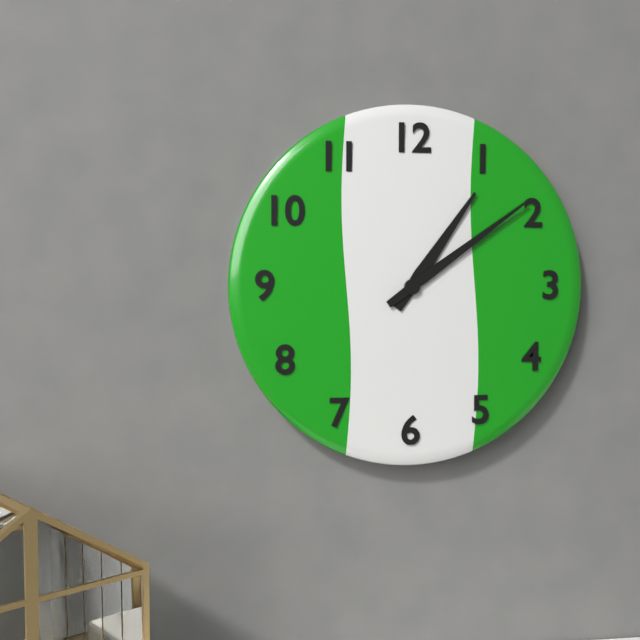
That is h=1 m=9
